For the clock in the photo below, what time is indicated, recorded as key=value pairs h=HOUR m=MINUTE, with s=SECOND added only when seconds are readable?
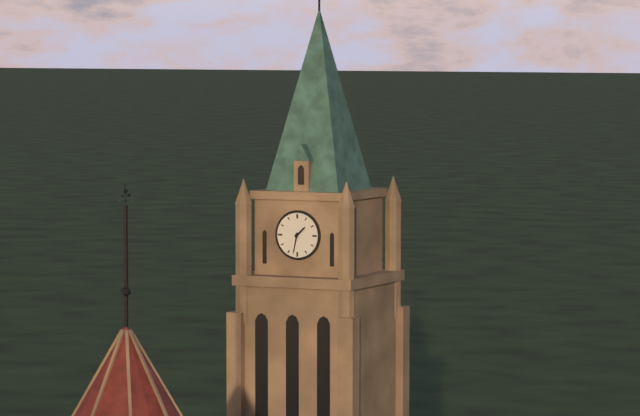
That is h=1 m=32
